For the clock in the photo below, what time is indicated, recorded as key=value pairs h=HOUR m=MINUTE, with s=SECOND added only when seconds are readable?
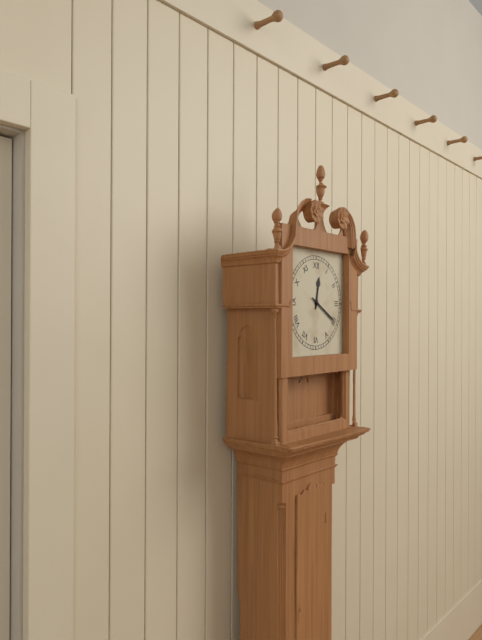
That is h=12 m=20
